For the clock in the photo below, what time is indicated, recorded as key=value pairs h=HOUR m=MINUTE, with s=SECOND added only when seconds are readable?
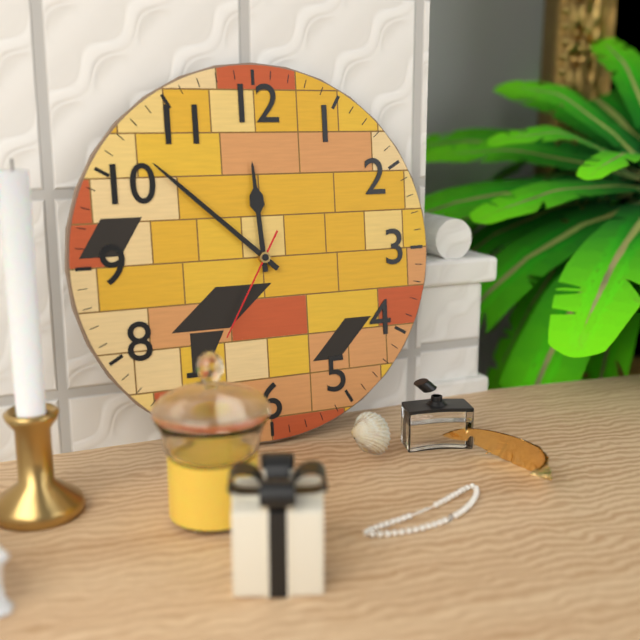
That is h=11 m=52 s=35
